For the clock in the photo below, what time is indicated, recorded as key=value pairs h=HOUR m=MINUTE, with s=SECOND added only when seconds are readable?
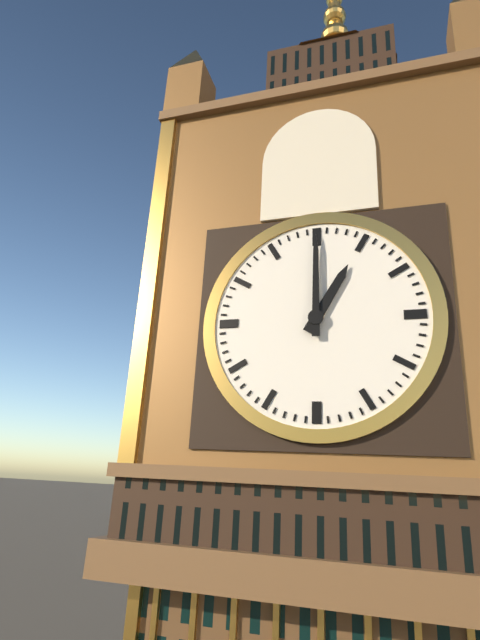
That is h=1 m=0
